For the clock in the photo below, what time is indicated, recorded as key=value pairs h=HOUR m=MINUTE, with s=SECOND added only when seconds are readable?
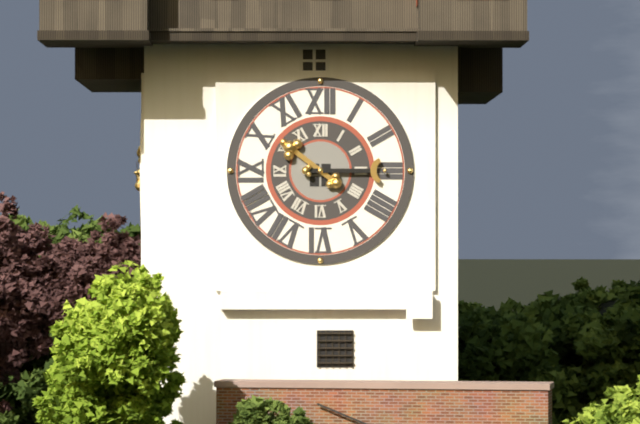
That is h=10 m=15
